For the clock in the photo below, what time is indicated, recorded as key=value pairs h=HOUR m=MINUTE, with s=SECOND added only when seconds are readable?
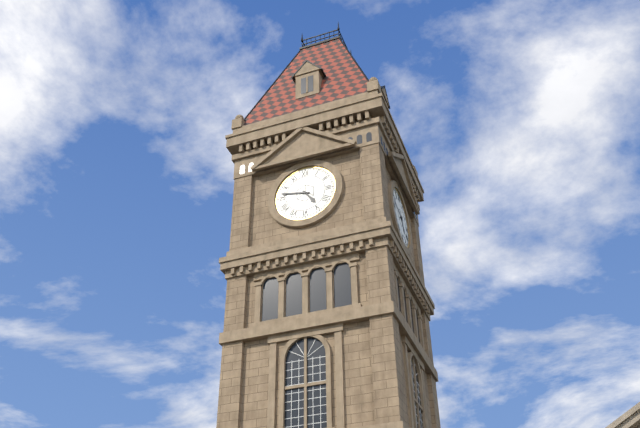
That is h=4 m=47
